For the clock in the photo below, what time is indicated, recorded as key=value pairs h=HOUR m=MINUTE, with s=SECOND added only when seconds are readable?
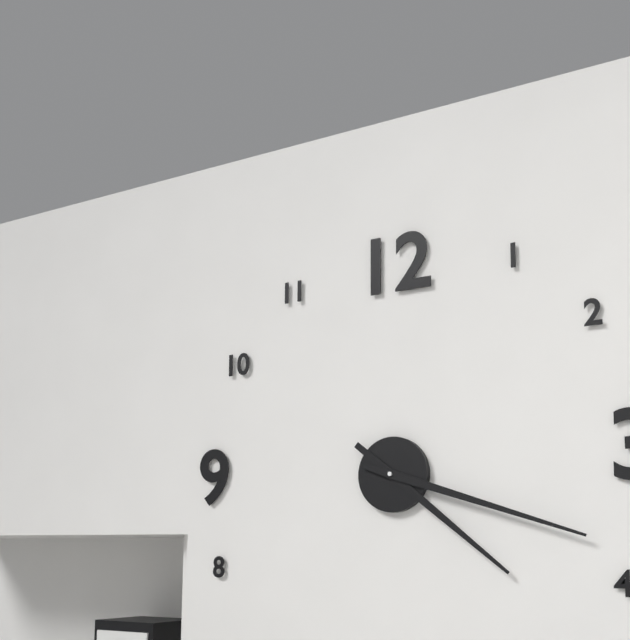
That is h=4 m=18
